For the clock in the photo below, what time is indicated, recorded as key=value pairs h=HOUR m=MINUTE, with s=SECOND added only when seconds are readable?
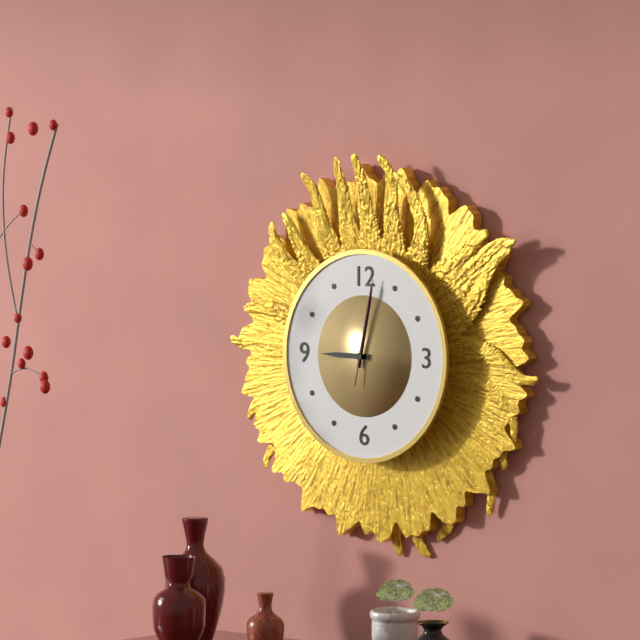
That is h=9 m=2 s=2
